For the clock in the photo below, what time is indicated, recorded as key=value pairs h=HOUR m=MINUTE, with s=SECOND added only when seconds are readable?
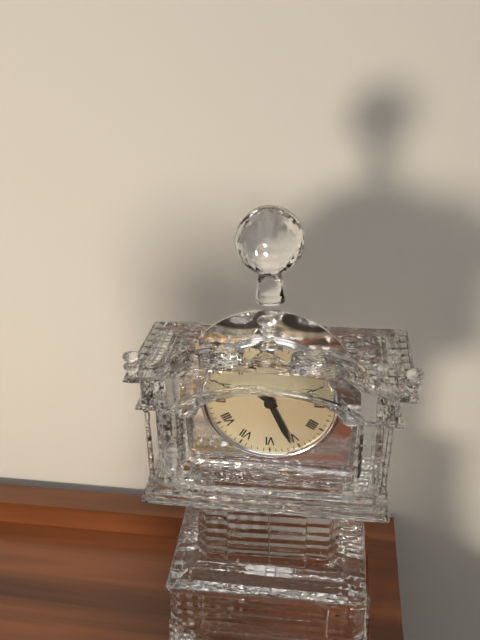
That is h=10 m=26
